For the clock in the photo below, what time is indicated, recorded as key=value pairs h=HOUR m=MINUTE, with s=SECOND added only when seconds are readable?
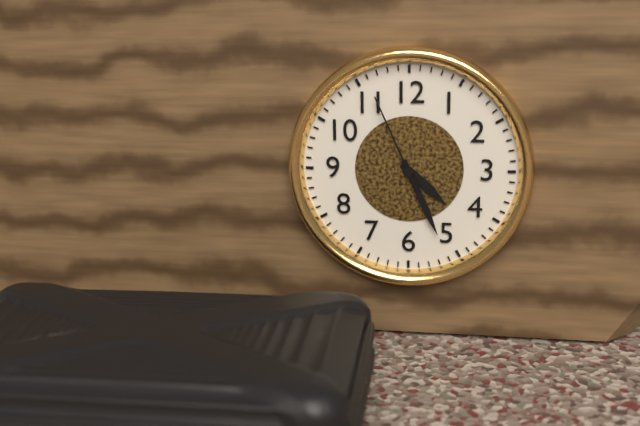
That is h=4 m=26 s=56
